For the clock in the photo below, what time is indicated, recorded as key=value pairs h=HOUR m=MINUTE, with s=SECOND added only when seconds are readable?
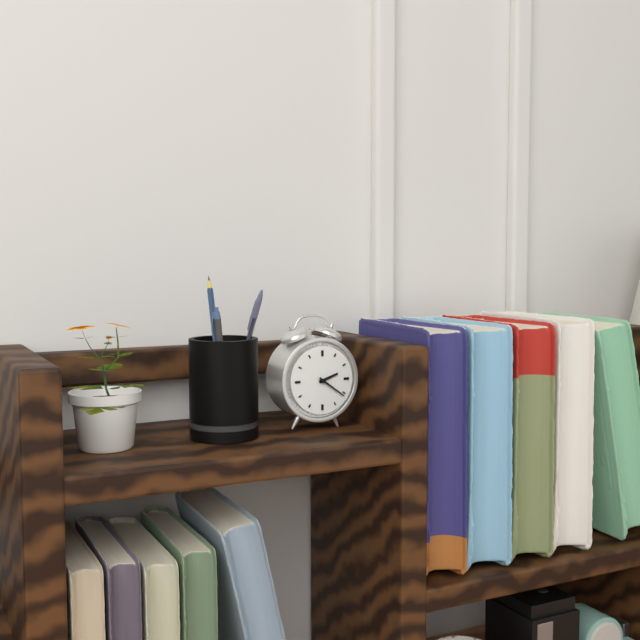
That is h=2 m=21
